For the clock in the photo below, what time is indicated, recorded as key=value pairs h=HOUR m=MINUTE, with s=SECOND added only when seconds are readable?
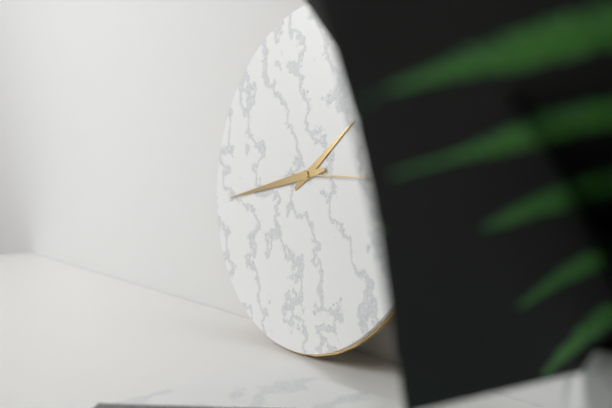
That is h=1 m=43
